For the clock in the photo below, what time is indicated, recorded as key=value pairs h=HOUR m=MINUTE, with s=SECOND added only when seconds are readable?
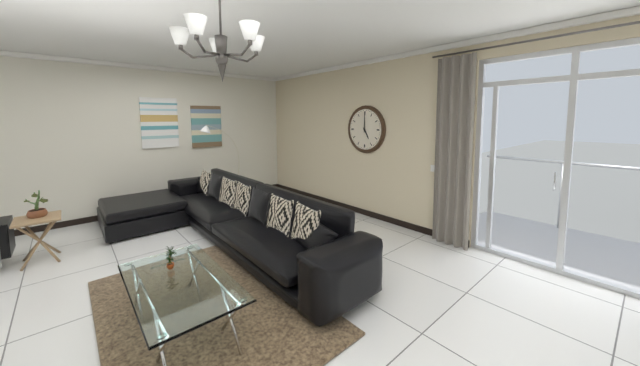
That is h=5 m=0
